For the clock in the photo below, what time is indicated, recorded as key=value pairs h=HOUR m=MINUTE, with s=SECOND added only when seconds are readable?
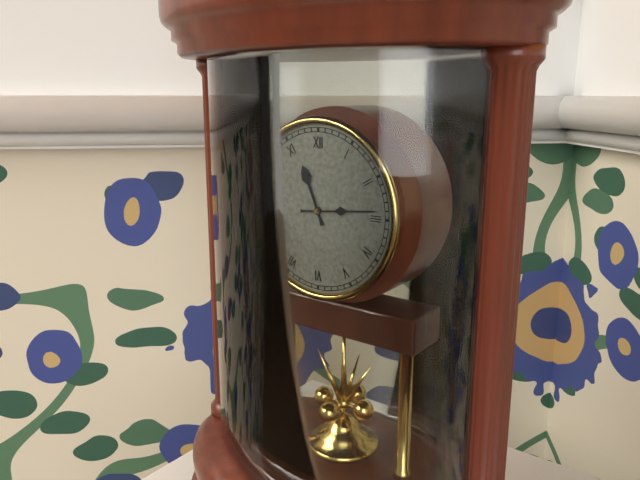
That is h=11 m=14
